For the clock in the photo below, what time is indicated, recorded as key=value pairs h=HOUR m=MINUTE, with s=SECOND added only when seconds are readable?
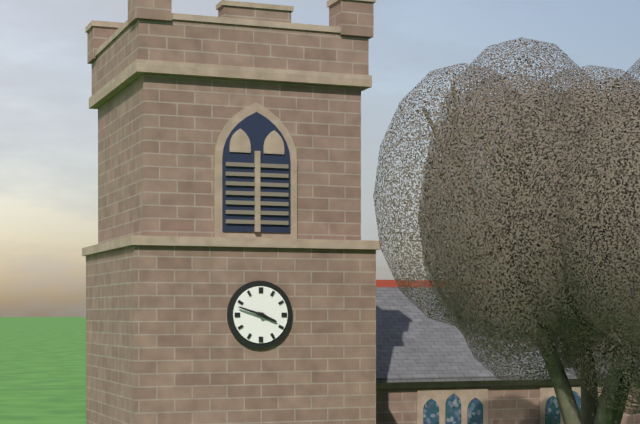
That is h=3 m=48
